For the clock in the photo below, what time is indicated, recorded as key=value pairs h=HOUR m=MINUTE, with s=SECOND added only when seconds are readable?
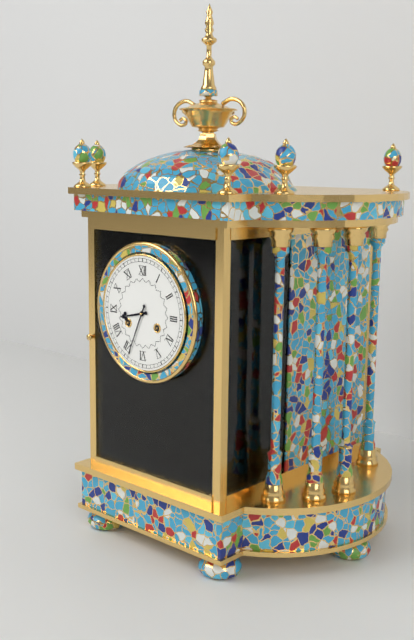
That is h=8 m=34
